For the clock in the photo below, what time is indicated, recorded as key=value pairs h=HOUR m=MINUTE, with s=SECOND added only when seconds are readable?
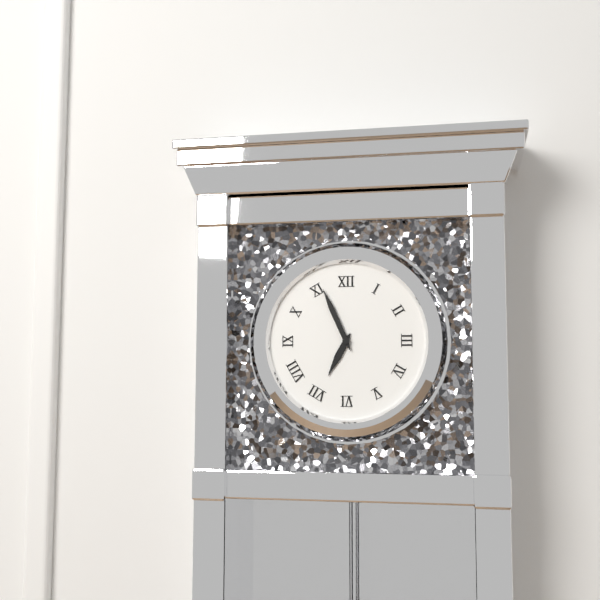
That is h=6 m=56
